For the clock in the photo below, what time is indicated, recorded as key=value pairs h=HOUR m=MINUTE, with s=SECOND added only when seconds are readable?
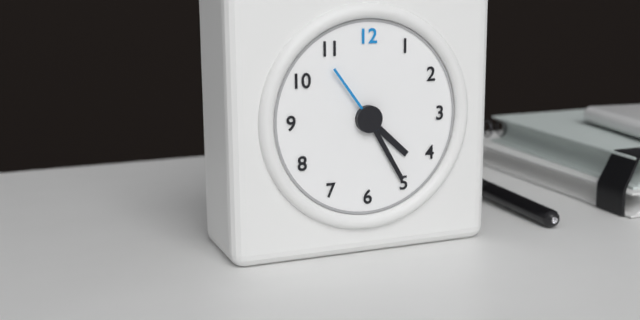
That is h=4 m=25 s=54
